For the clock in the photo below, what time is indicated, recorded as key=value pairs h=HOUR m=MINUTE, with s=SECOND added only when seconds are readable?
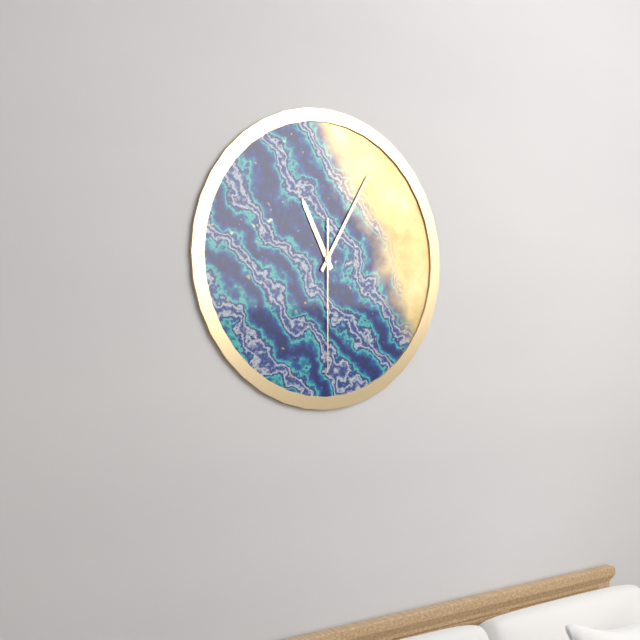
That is h=11 m=5 s=30
